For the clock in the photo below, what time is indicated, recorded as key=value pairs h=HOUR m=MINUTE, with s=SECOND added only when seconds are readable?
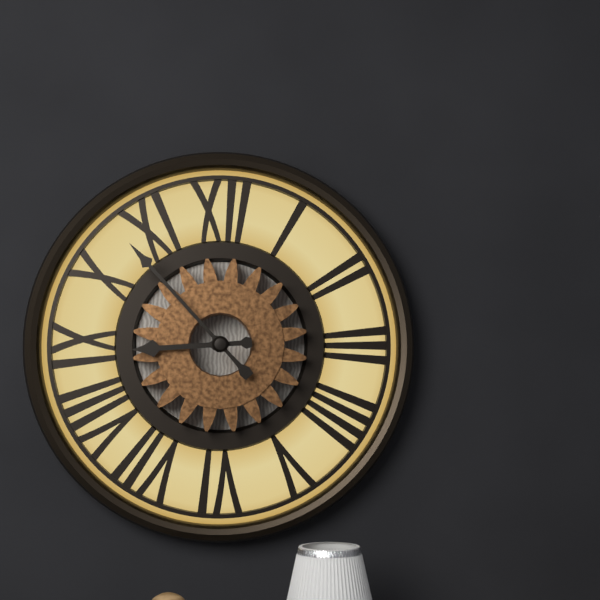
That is h=8 m=53
